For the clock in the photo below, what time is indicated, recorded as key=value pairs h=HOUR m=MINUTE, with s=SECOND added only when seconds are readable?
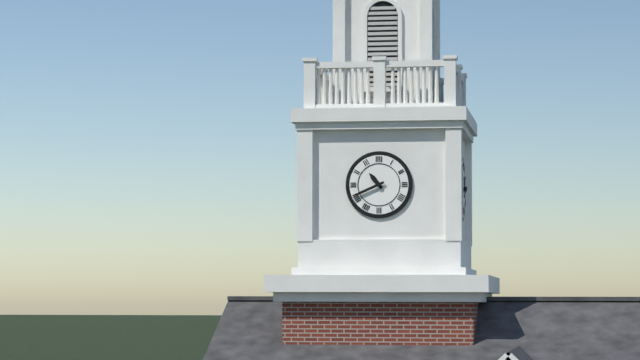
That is h=10 m=41
